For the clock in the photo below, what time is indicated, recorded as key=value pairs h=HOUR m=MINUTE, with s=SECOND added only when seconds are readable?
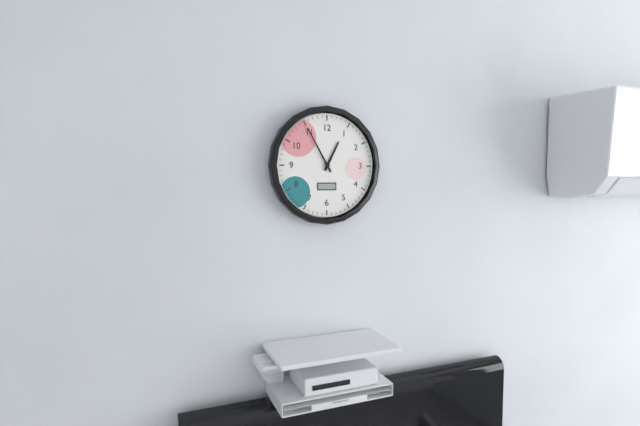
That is h=12 m=55
